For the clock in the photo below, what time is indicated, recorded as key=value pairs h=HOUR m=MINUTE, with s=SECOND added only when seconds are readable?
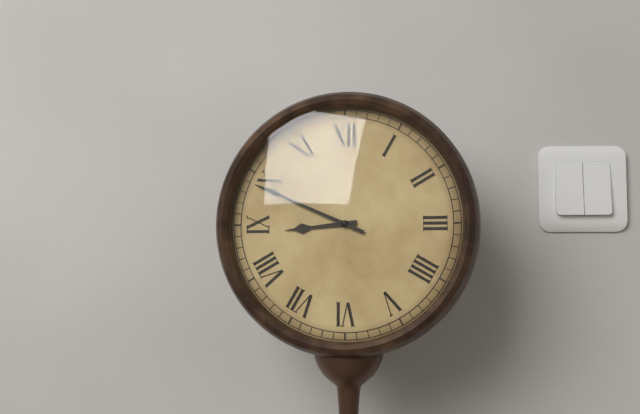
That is h=8 m=49
